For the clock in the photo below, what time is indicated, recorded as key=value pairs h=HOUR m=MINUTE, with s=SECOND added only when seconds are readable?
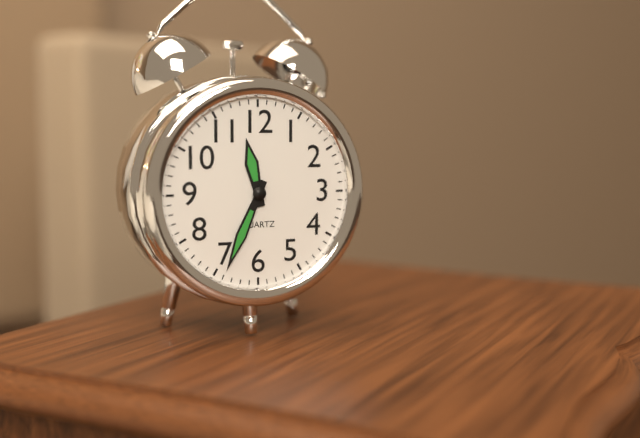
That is h=11 m=34
